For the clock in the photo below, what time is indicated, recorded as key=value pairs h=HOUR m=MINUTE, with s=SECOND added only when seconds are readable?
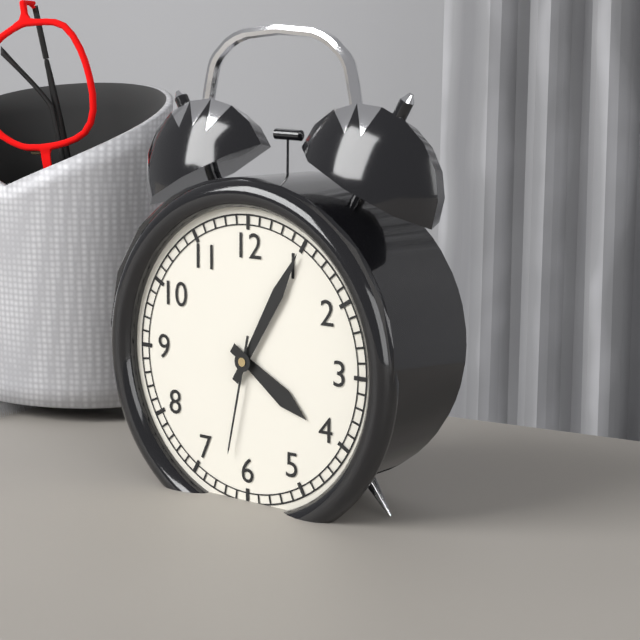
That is h=4 m=5 s=32
